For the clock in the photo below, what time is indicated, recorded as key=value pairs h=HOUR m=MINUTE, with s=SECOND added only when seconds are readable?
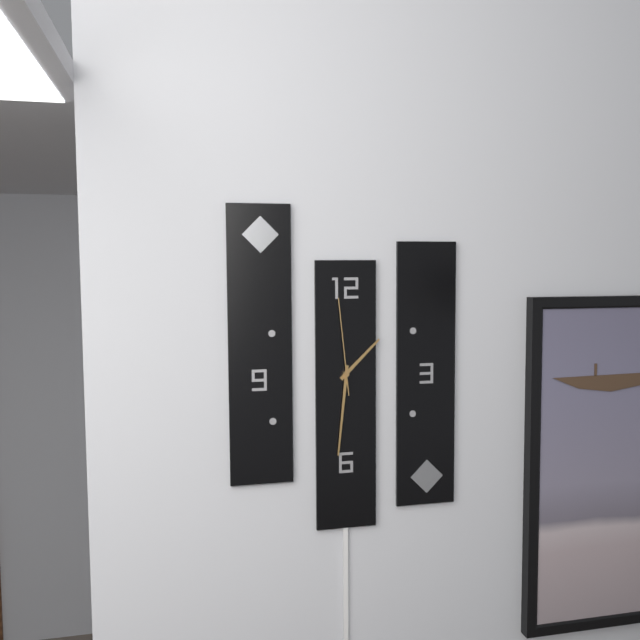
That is h=1 m=31 s=59
